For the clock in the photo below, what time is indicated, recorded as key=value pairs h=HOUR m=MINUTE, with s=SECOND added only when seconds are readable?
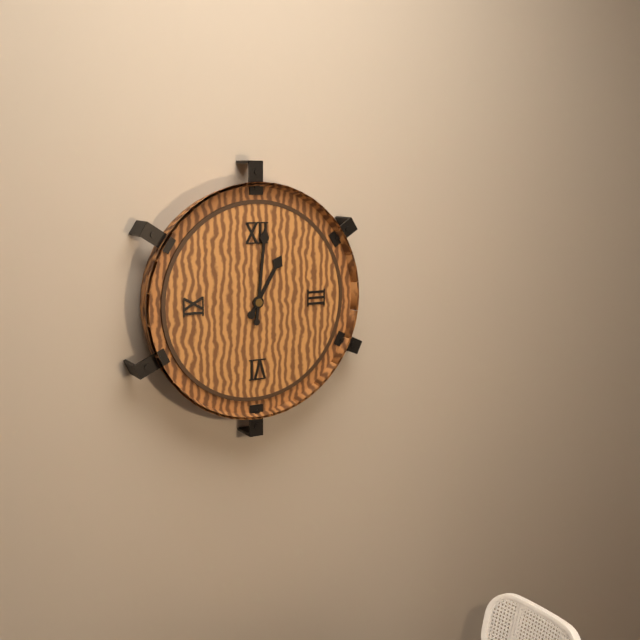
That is h=1 m=1
